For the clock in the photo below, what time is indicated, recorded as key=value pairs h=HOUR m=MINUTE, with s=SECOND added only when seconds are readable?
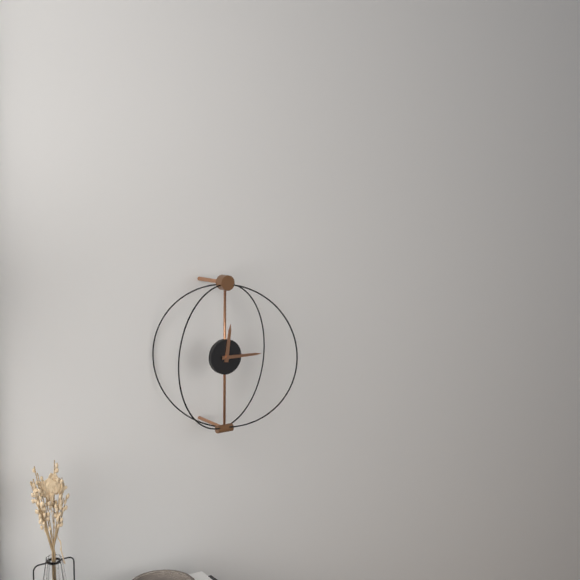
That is h=12 m=15
